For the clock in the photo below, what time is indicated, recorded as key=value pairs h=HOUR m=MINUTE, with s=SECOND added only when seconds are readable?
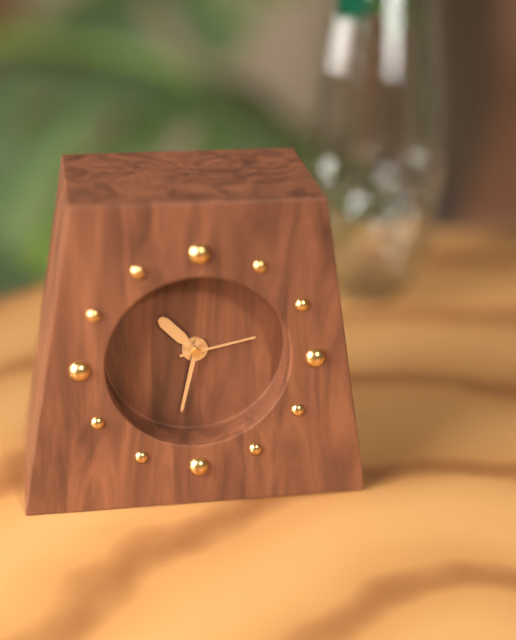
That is h=10 m=32 s=13
